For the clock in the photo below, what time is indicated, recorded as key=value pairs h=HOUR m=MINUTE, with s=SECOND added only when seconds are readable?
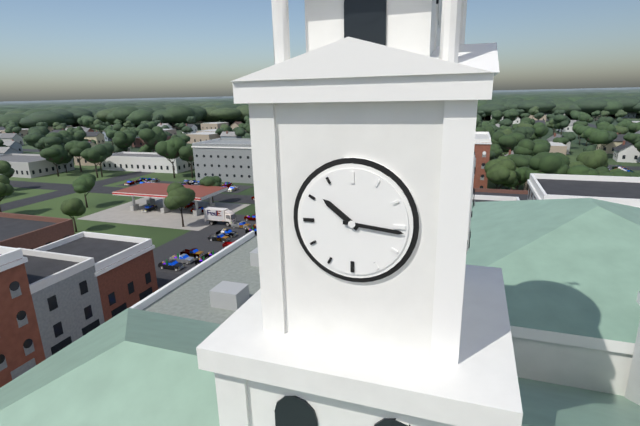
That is h=10 m=16
